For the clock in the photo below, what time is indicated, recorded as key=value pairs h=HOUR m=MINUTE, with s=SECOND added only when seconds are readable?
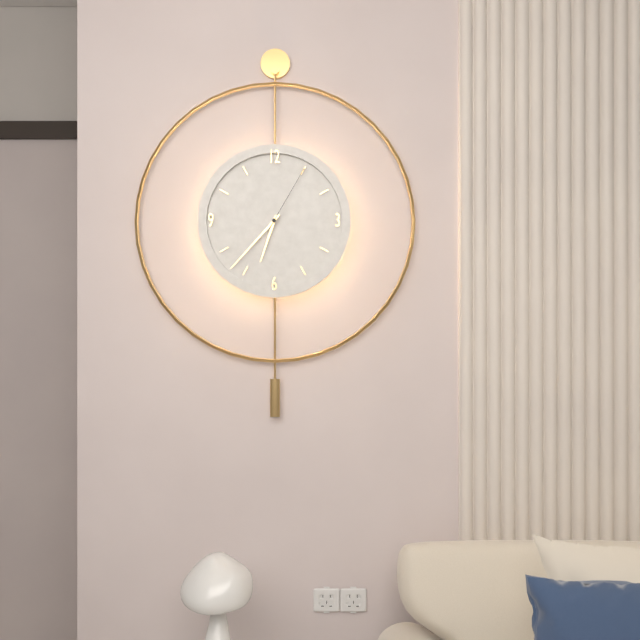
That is h=6 m=37 s=5
